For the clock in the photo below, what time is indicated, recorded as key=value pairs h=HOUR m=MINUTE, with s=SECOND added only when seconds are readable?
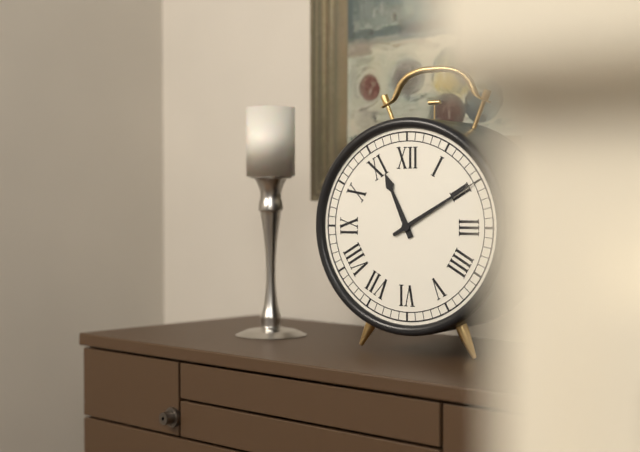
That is h=11 m=10
